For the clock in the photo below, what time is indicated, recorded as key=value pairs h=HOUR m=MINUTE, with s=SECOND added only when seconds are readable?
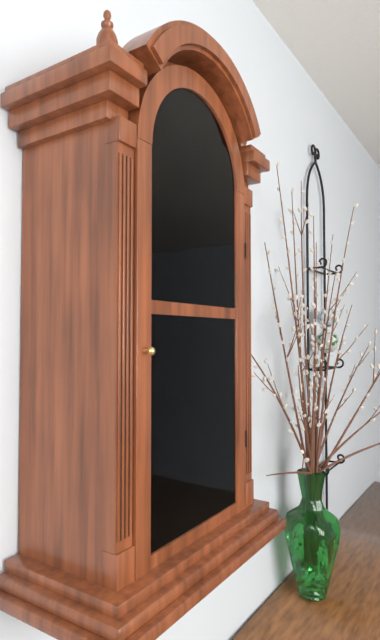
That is h=8 m=29
